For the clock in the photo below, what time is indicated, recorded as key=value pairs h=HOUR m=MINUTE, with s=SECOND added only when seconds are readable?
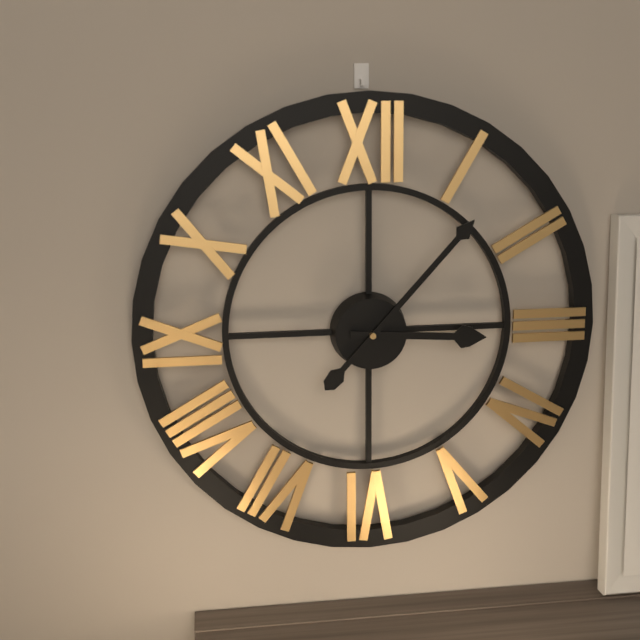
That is h=3 m=7
